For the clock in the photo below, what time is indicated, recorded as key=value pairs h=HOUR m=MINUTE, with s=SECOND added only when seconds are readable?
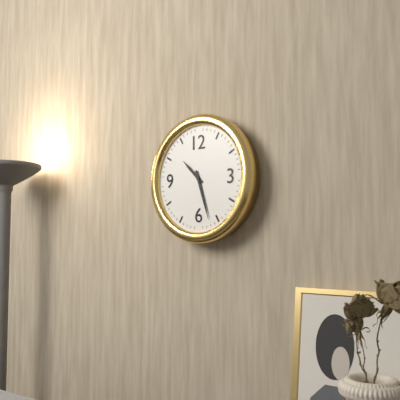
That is h=10 m=27
